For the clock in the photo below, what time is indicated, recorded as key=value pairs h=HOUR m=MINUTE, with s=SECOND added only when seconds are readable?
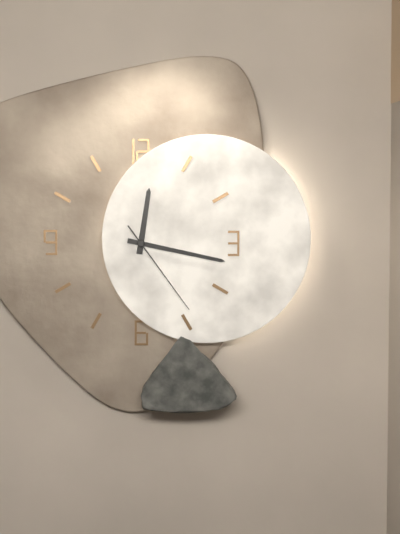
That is h=12 m=17 s=24
